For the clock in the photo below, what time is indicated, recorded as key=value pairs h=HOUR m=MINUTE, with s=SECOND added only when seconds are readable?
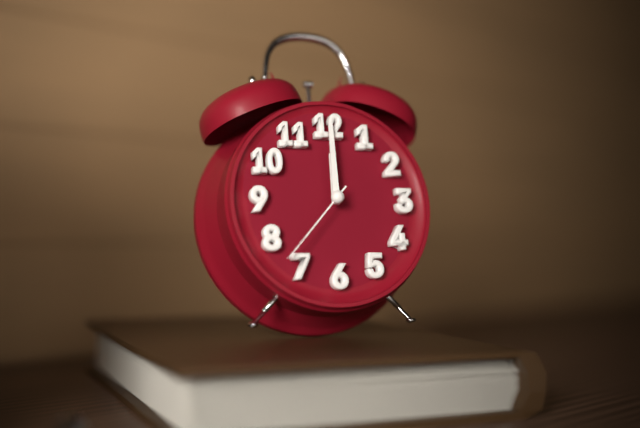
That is h=12 m=0 s=37
